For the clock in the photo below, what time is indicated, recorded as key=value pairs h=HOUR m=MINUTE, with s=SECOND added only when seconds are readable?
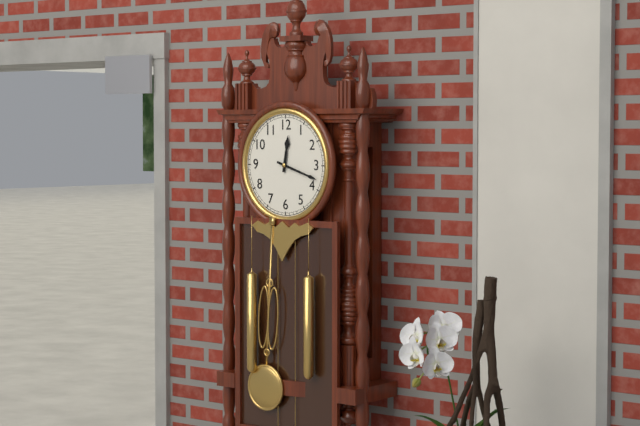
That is h=12 m=18
